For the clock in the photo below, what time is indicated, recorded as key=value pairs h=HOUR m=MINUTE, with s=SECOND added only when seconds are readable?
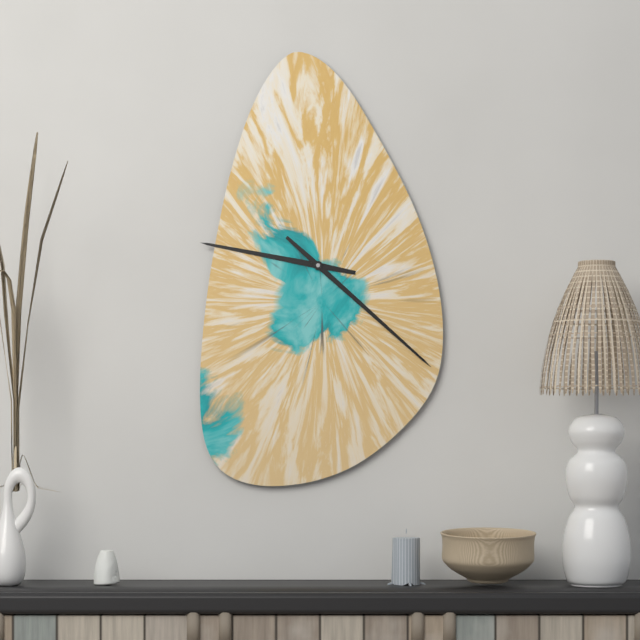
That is h=9 m=22
